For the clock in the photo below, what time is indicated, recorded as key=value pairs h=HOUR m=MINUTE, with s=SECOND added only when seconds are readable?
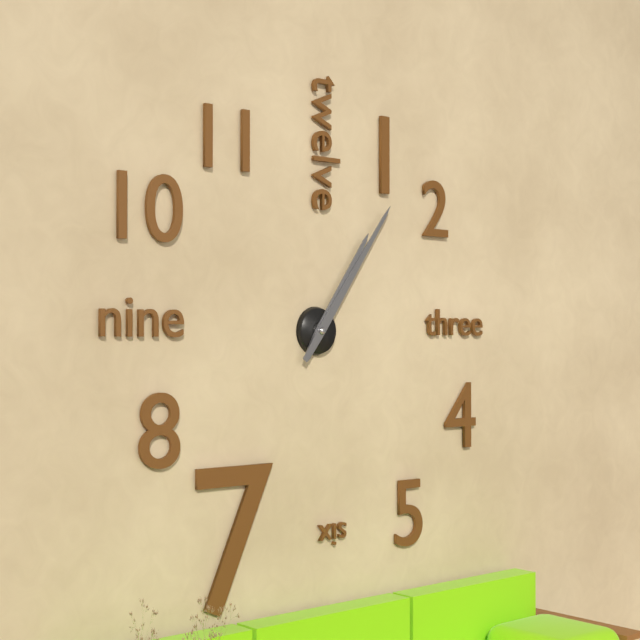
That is h=1 m=6
